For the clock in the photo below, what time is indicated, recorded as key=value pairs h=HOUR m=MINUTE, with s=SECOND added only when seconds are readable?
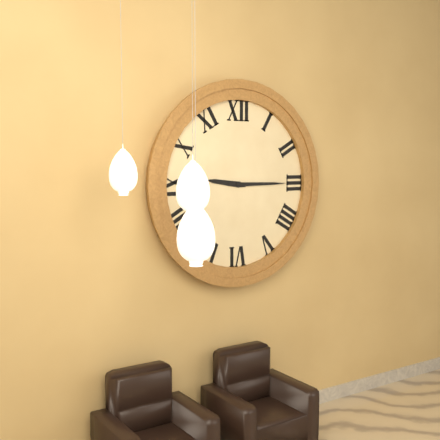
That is h=9 m=15
